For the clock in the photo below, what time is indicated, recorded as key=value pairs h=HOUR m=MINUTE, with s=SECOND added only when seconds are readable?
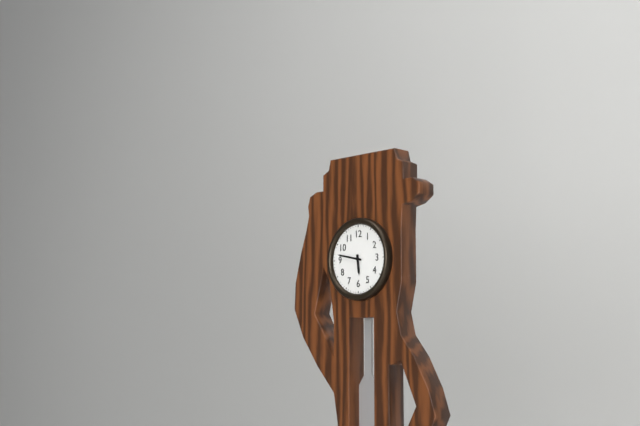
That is h=5 m=47
